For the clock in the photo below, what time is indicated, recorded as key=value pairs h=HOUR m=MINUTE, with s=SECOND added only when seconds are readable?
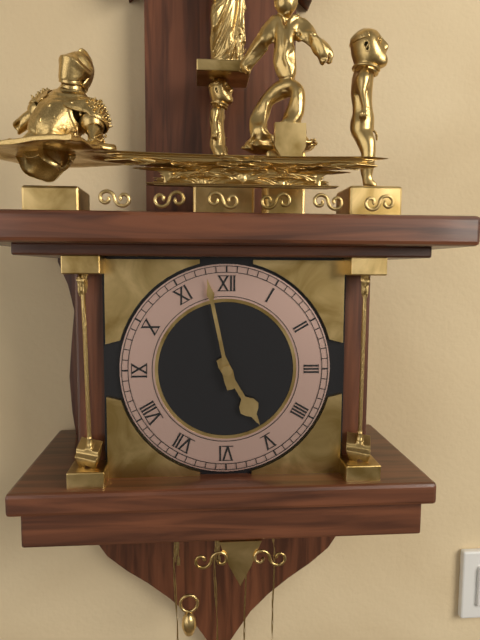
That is h=4 m=58
